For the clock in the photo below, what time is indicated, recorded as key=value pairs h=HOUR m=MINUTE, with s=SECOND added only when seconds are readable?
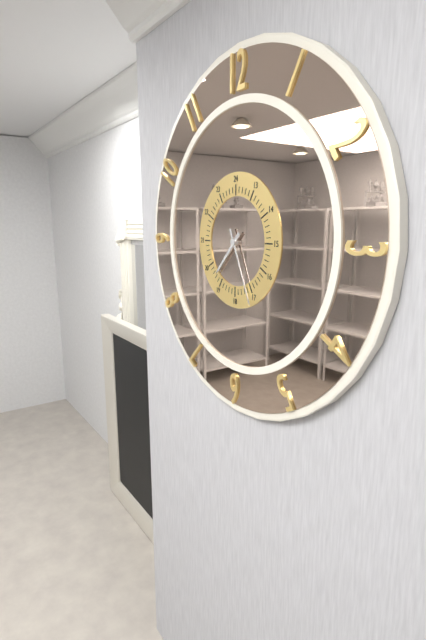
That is h=7 m=26
